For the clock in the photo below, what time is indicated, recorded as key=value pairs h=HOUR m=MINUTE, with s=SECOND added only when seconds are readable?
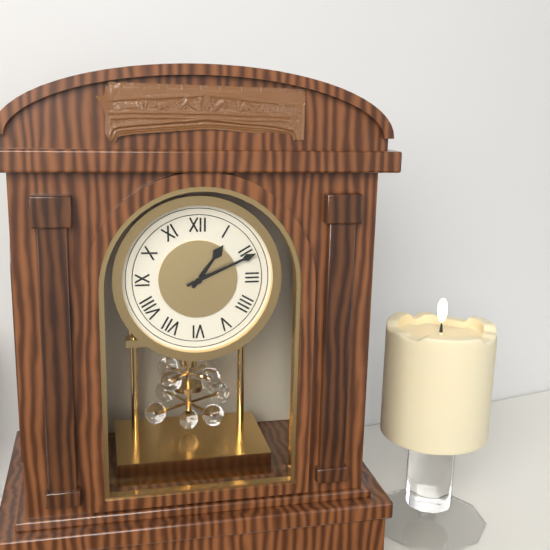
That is h=1 m=11
